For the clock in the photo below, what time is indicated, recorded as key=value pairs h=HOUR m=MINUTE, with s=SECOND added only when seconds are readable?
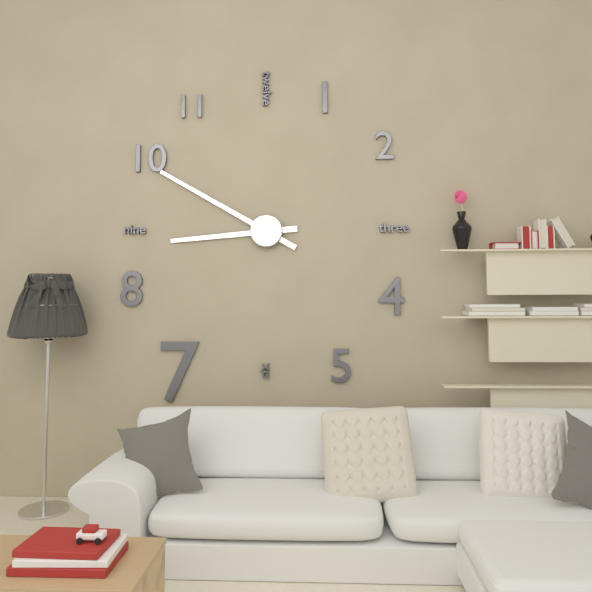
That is h=8 m=50
